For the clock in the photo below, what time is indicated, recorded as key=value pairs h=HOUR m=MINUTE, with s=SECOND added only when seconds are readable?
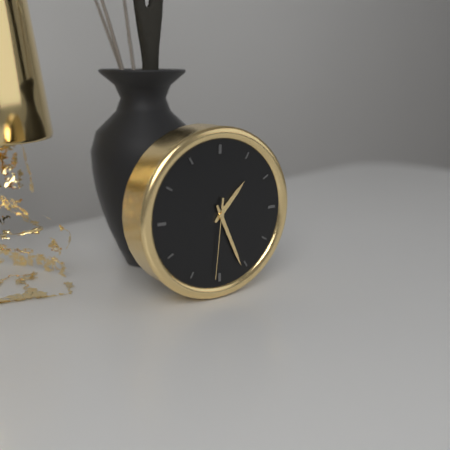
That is h=1 m=26 s=31
